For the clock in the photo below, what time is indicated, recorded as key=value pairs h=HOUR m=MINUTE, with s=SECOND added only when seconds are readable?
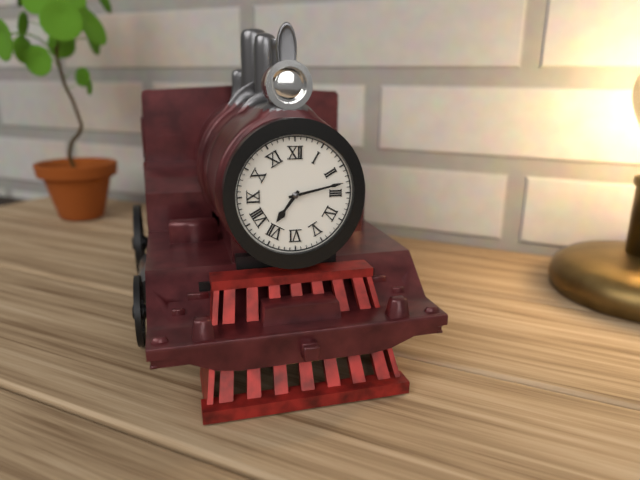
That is h=7 m=13
